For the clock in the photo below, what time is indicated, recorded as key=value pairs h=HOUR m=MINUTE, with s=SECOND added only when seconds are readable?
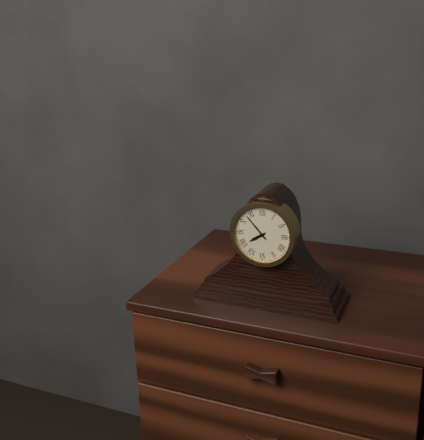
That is h=7 m=53
